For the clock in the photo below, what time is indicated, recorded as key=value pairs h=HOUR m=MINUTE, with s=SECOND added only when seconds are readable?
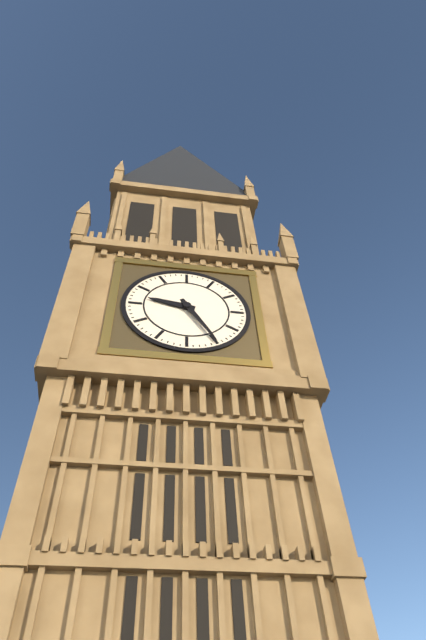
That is h=9 m=25
